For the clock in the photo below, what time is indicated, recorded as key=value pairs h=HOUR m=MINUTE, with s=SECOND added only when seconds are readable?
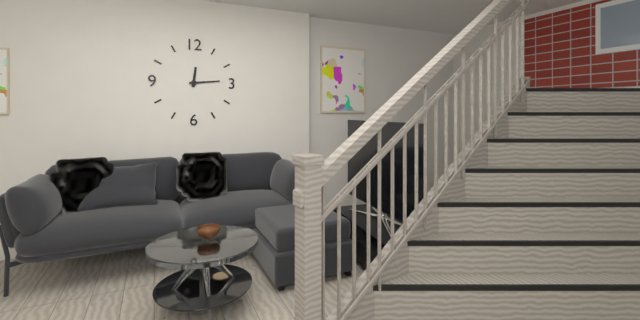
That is h=12 m=14
